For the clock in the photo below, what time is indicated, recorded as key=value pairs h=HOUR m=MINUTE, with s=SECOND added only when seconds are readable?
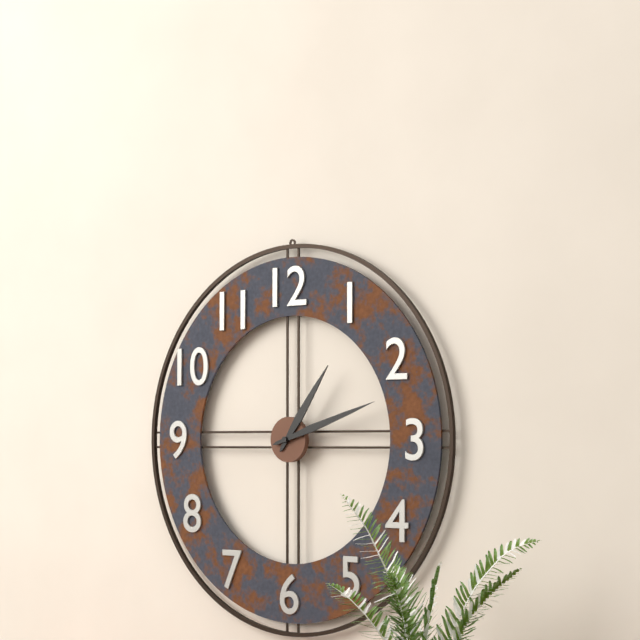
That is h=1 m=12
